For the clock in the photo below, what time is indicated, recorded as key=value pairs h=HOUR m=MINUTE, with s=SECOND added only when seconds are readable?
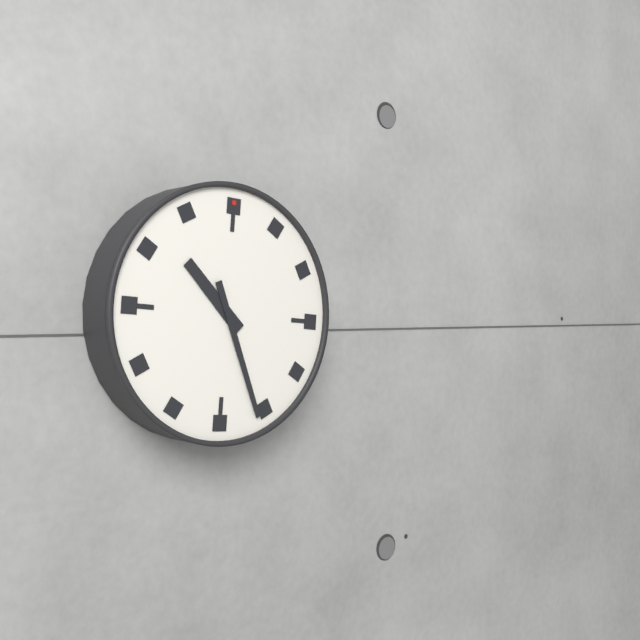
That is h=10 m=26
